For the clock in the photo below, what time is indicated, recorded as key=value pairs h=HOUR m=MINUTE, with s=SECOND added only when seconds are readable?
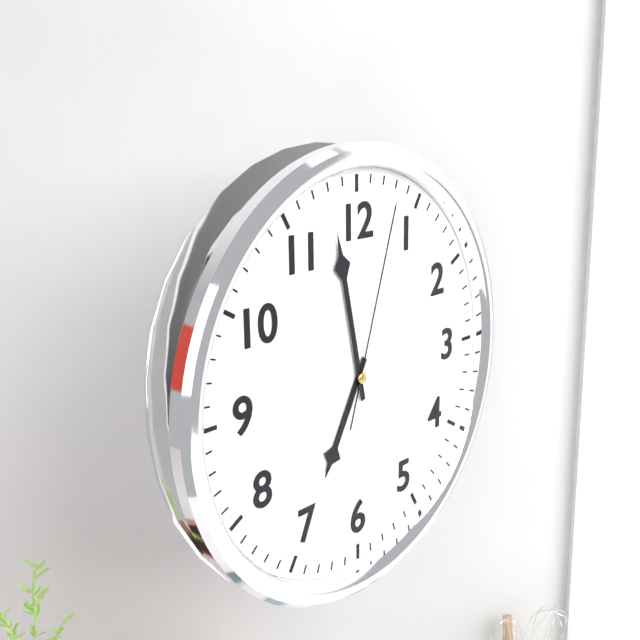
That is h=6 m=58 s=3
